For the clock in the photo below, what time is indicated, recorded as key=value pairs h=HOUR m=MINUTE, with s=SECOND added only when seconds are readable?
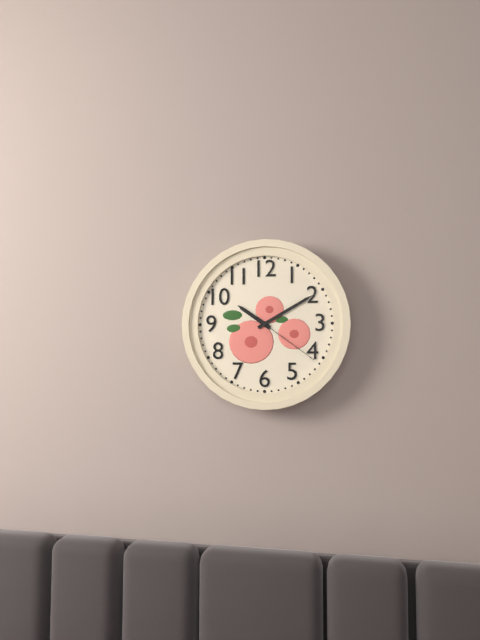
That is h=10 m=10 s=21
